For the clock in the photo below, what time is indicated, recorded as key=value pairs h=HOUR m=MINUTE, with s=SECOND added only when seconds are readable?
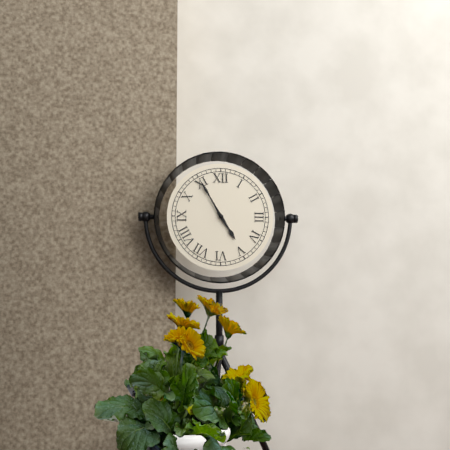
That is h=4 m=55
